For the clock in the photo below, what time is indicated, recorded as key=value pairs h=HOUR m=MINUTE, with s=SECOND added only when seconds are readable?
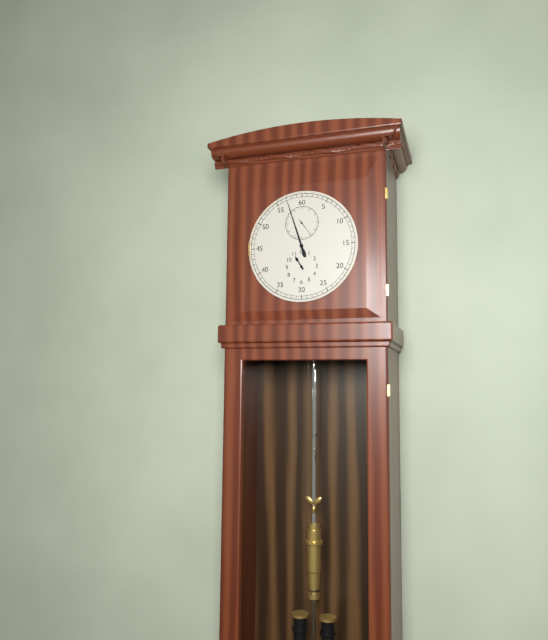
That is h=10 m=57
